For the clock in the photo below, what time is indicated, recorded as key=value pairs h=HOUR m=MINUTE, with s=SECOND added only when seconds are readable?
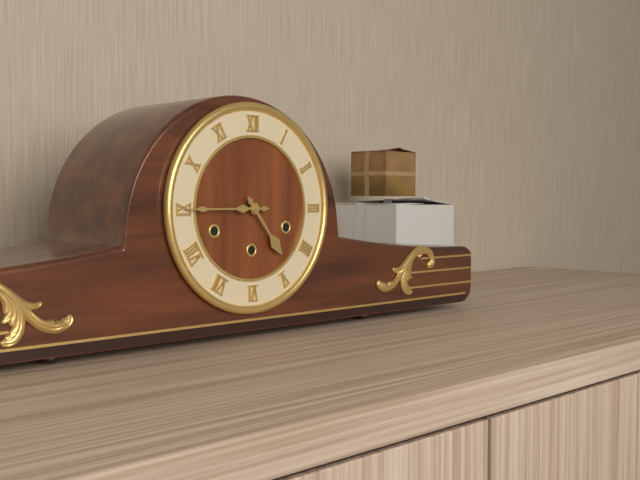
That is h=4 m=45
